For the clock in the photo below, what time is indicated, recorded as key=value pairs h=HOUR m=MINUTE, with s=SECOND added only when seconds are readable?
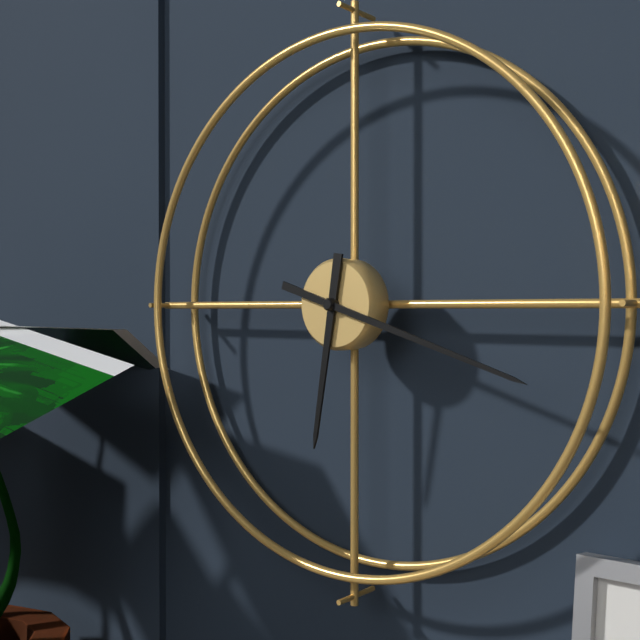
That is h=6 m=18
